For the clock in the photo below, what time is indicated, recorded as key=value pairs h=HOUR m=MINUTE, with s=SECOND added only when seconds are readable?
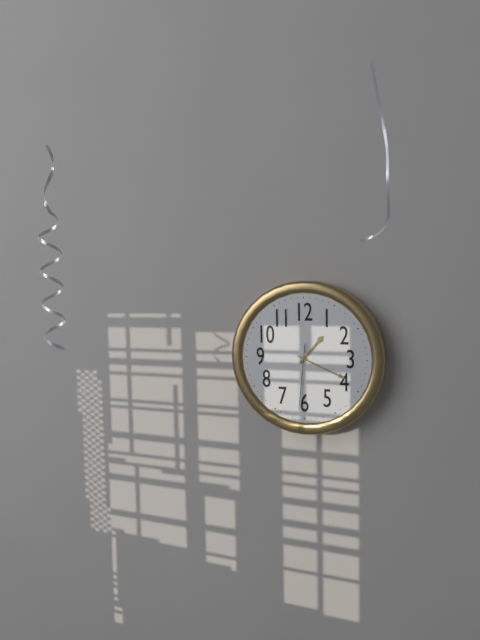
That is h=1 m=19 s=31
